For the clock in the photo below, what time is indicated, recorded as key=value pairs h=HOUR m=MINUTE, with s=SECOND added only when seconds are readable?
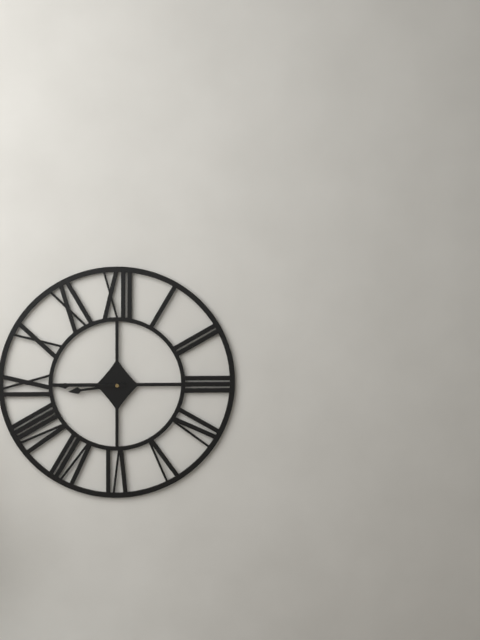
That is h=8 m=45
